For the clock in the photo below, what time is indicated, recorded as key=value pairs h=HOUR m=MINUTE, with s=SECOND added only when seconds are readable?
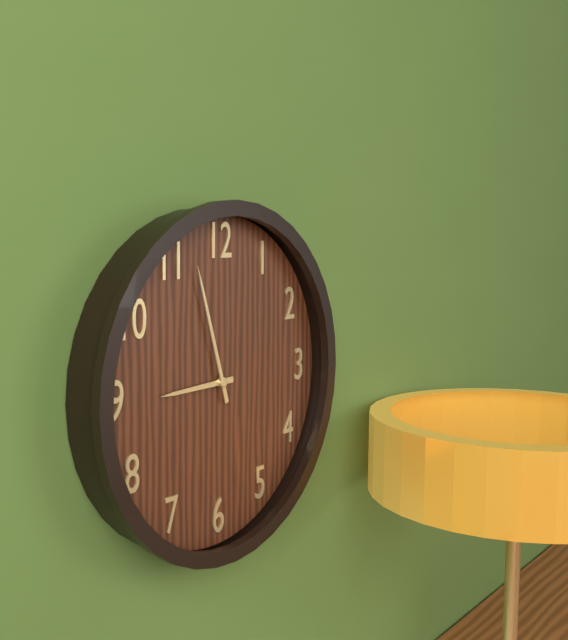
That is h=8 m=57
